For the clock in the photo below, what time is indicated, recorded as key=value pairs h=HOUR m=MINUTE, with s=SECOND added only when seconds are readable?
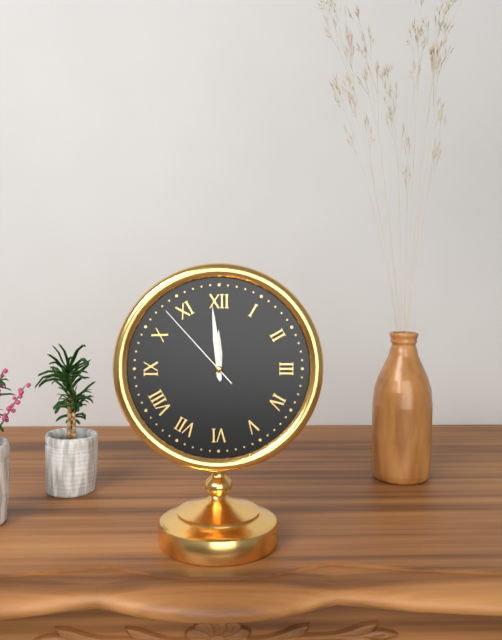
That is h=11 m=59 s=53
